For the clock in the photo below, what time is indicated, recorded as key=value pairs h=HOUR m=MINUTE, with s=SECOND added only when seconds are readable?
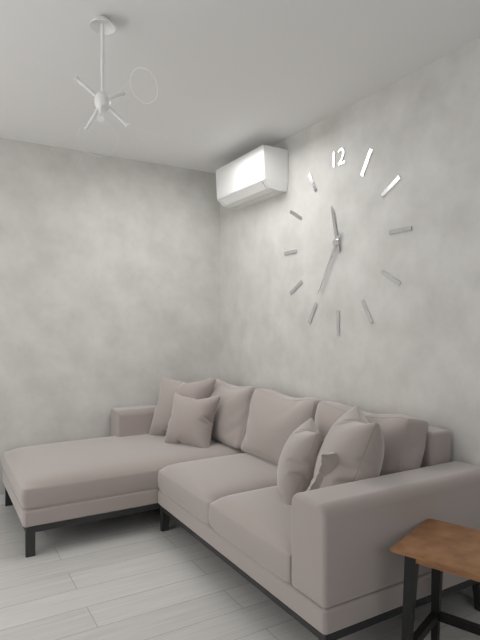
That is h=11 m=35
